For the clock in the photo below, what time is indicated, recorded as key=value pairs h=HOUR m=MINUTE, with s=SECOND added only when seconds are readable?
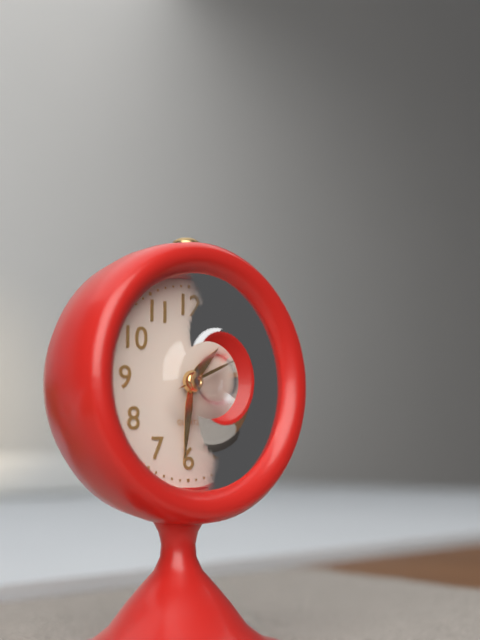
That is h=1 m=31 s=11
